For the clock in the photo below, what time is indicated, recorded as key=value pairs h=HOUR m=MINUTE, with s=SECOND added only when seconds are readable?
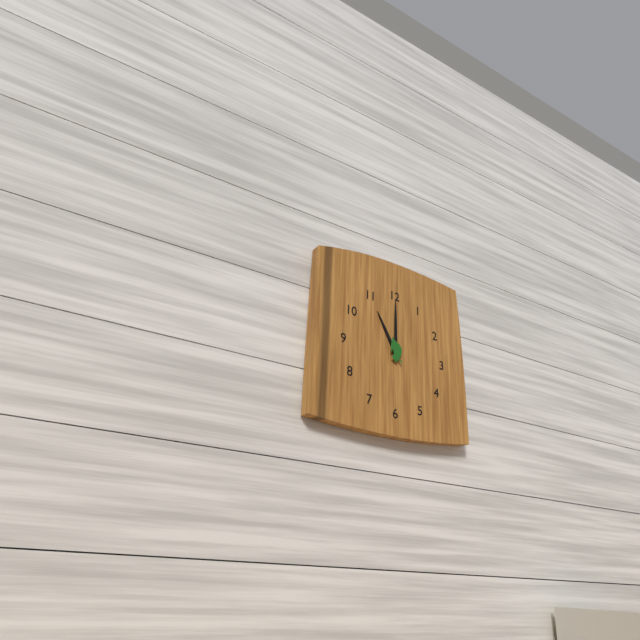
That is h=11 m=0
